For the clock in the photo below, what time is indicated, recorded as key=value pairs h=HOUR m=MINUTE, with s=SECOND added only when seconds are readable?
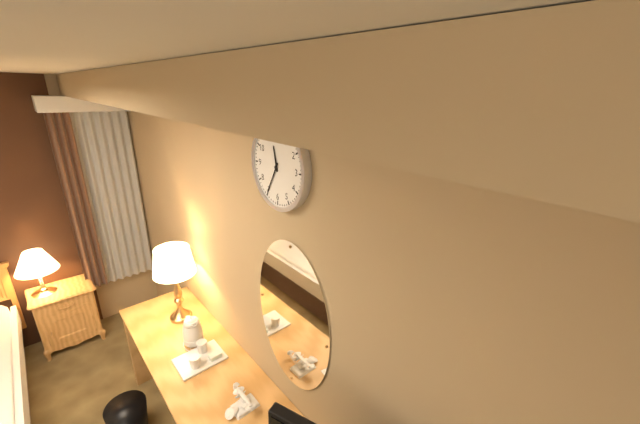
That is h=11 m=35
